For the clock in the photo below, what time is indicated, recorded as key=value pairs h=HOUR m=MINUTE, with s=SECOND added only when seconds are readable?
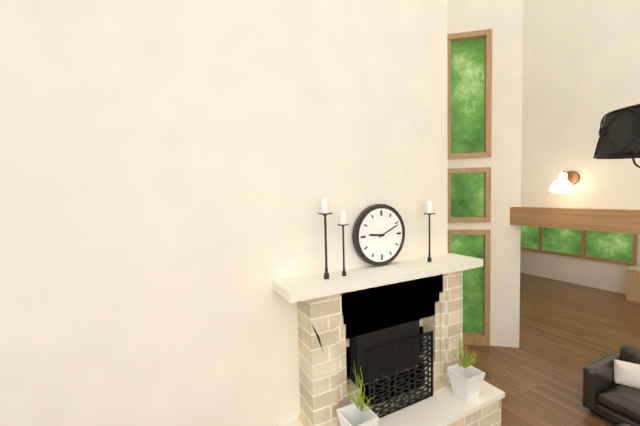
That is h=9 m=11
